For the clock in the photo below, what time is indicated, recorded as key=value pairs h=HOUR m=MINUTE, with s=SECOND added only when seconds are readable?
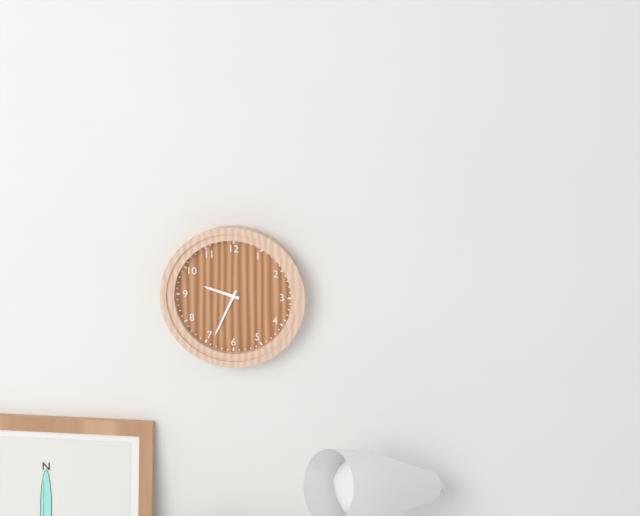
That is h=9 m=34
